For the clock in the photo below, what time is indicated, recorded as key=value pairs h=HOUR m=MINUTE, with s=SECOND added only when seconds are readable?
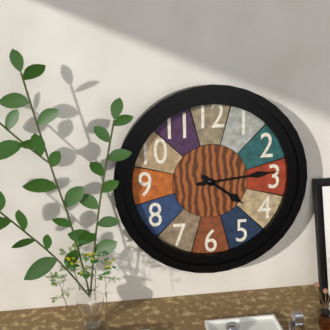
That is h=4 m=14
